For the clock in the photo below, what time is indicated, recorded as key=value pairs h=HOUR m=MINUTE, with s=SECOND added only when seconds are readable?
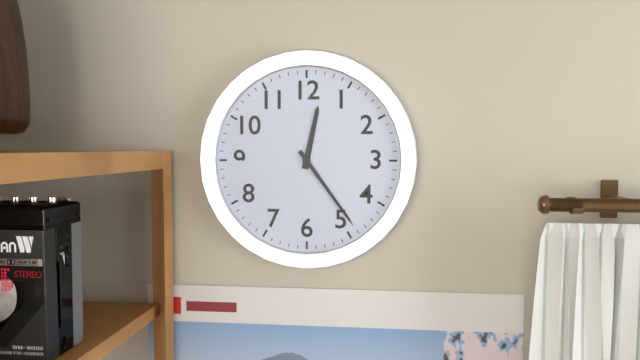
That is h=12 m=24
